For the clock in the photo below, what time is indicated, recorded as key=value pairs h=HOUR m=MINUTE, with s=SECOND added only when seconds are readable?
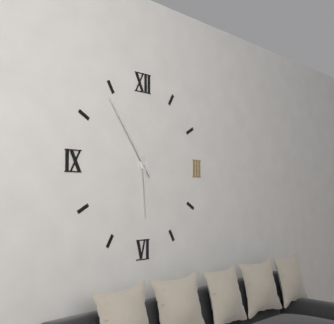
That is h=5 m=54
